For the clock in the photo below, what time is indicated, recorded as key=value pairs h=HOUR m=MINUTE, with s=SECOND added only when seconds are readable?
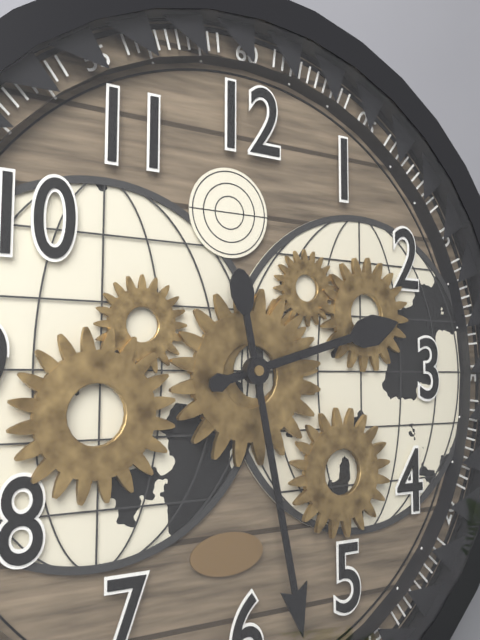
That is h=2 m=28
